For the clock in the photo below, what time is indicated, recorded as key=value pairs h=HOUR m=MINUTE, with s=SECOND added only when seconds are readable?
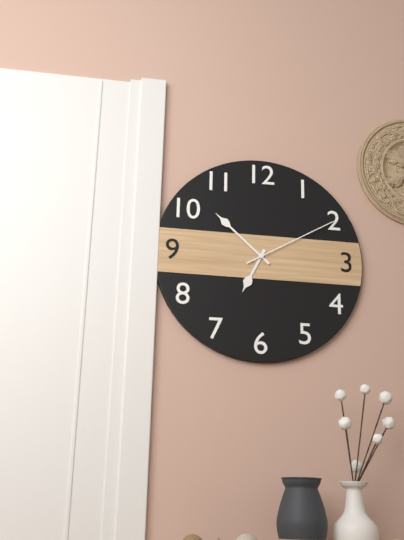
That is h=6 m=52 s=10
